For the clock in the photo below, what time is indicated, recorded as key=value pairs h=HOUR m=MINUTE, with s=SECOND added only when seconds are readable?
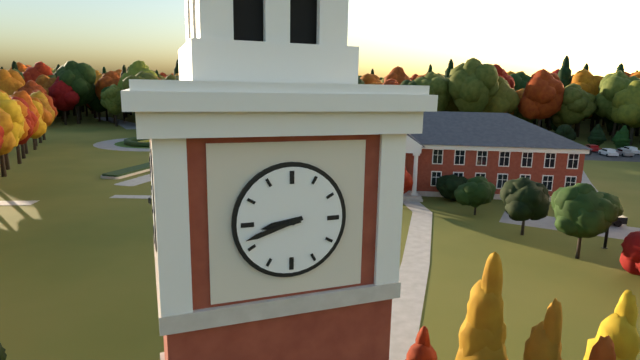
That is h=8 m=42
